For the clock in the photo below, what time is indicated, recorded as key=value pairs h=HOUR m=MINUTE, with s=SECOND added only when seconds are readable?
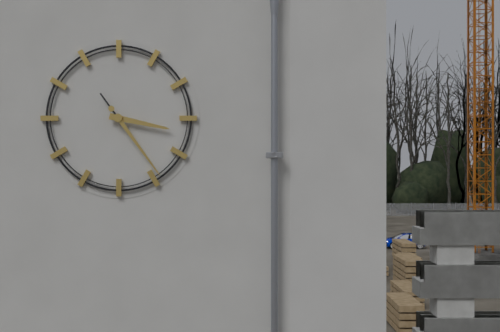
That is h=3 m=24
